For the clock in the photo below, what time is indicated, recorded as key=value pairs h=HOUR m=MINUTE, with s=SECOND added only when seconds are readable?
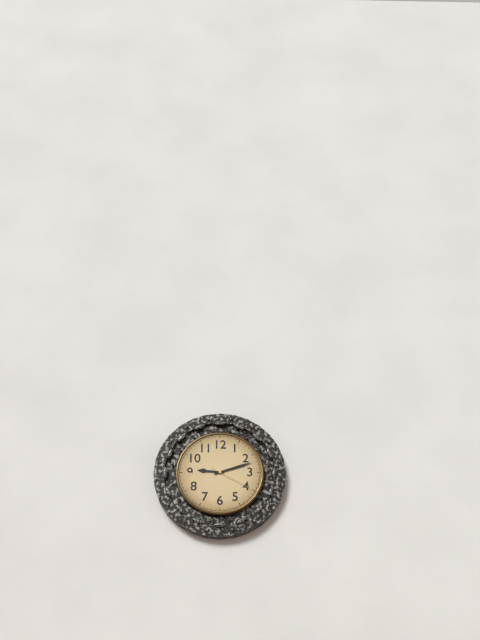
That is h=9 m=12
